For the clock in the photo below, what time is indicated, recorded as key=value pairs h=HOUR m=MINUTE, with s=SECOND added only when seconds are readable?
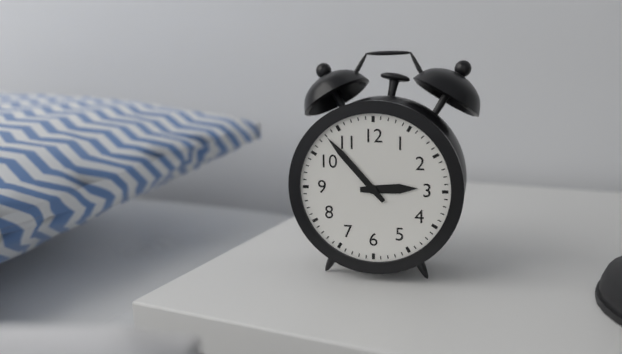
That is h=2 m=53
